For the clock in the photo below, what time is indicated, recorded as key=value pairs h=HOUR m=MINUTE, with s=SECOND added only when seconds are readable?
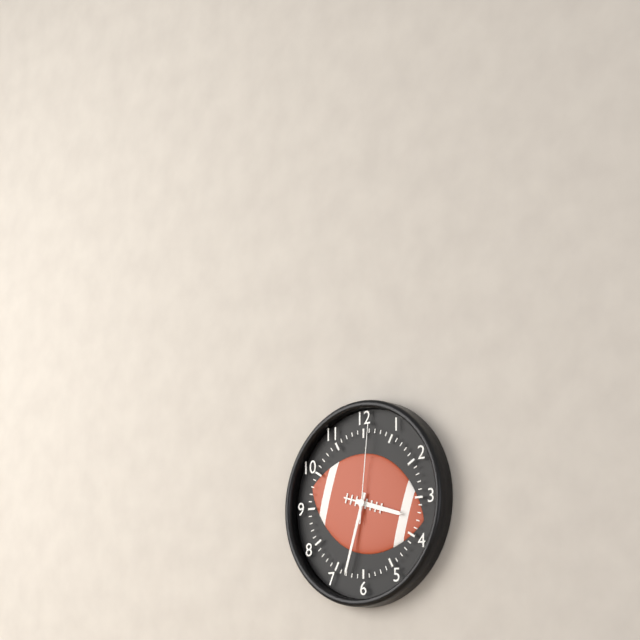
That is h=3 m=33 s=1
